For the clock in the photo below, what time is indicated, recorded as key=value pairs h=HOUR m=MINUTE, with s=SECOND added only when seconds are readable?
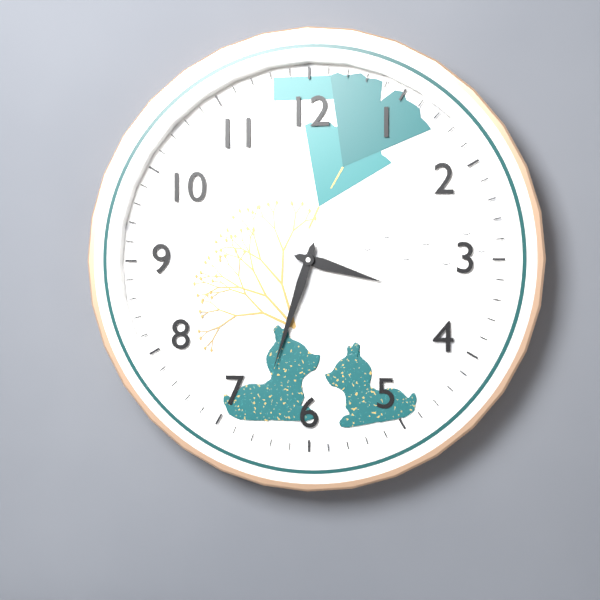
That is h=3 m=33
